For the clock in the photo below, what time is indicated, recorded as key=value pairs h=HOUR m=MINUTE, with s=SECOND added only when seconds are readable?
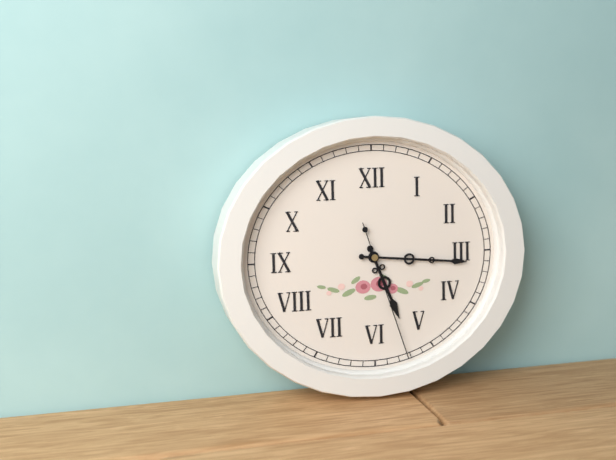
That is h=5 m=16 s=27
